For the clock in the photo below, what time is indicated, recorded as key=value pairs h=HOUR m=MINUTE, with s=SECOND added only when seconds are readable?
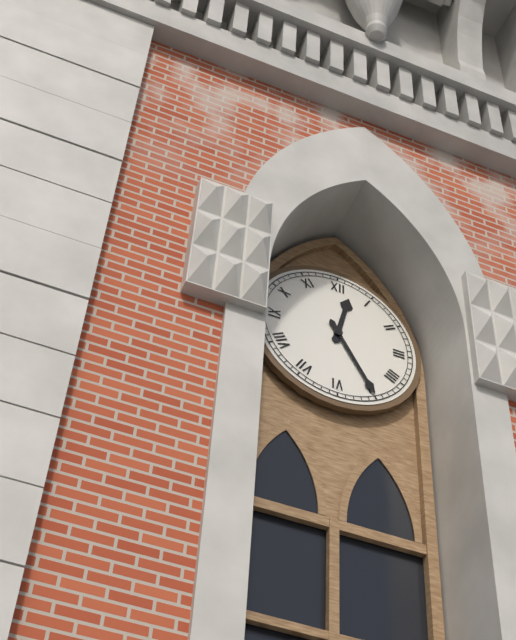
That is h=12 m=25
